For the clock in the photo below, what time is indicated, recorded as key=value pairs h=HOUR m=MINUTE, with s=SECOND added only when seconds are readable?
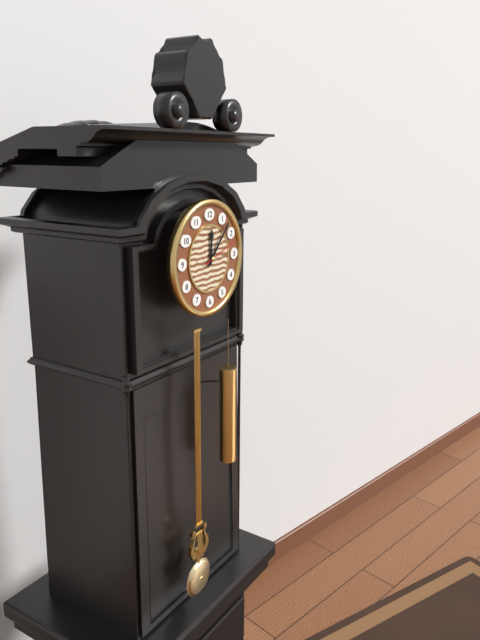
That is h=12 m=7
